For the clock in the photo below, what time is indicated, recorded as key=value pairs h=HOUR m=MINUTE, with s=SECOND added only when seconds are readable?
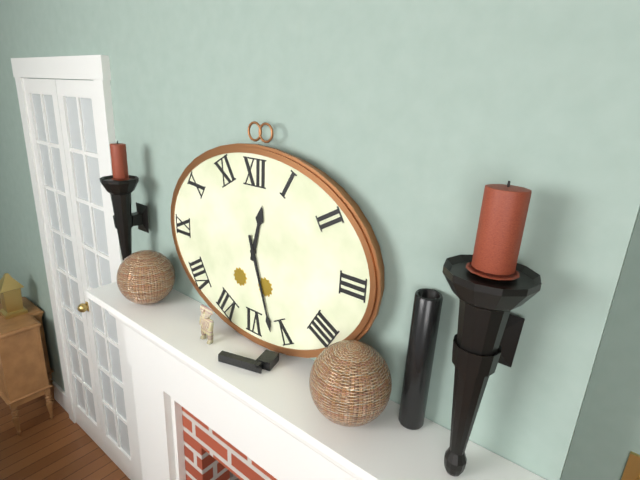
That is h=12 m=27
